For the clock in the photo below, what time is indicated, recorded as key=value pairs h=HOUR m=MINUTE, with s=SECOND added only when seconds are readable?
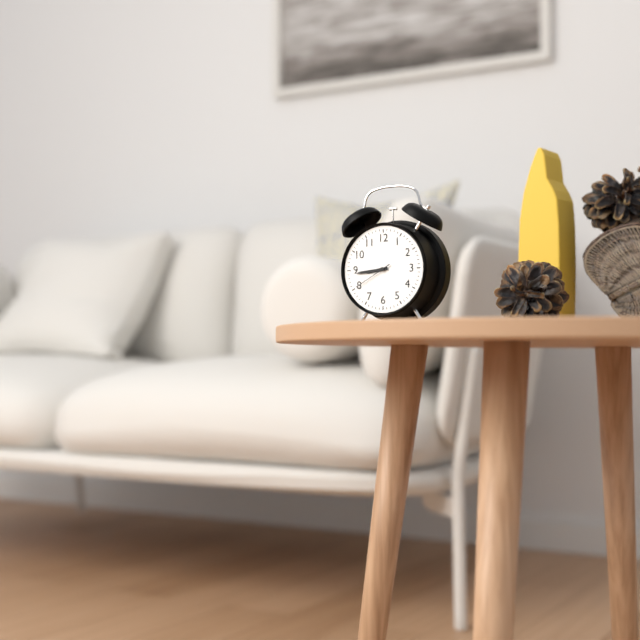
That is h=8 m=44
